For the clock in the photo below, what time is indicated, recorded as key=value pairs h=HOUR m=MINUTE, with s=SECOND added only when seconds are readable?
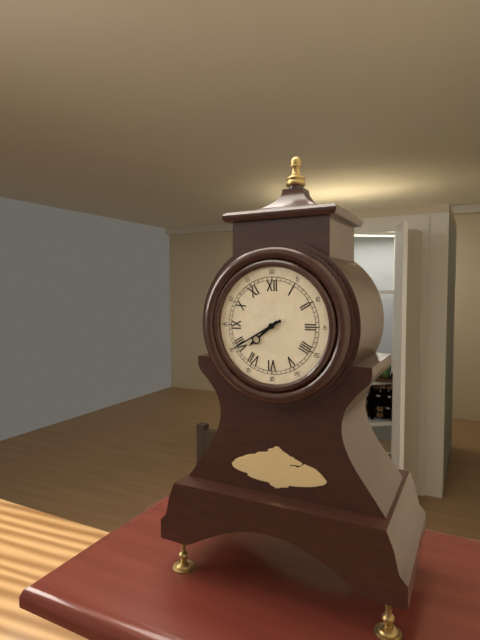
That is h=7 m=40
